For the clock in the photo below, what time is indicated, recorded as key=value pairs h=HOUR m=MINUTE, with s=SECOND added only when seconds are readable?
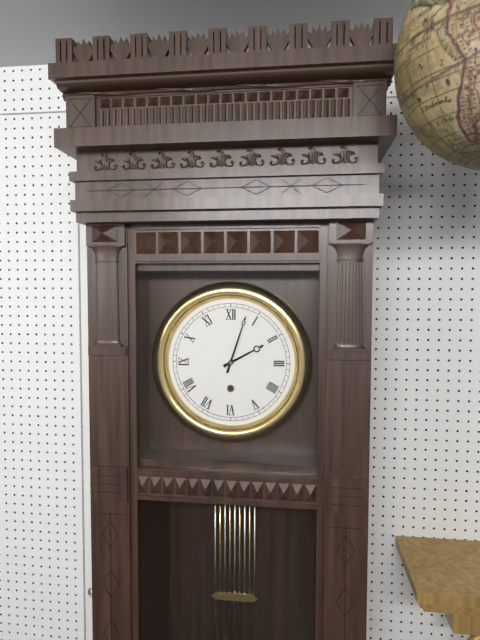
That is h=2 m=3
